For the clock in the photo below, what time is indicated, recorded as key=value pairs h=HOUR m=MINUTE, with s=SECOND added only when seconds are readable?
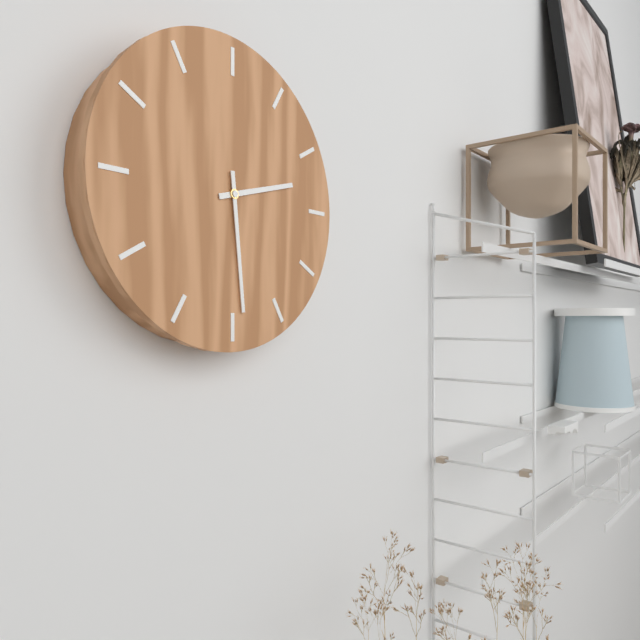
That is h=2 m=29
